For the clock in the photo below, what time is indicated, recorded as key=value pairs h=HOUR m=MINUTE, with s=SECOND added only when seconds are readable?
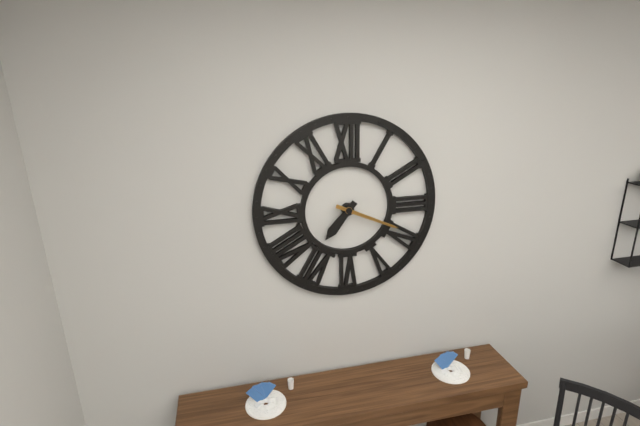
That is h=7 m=19
